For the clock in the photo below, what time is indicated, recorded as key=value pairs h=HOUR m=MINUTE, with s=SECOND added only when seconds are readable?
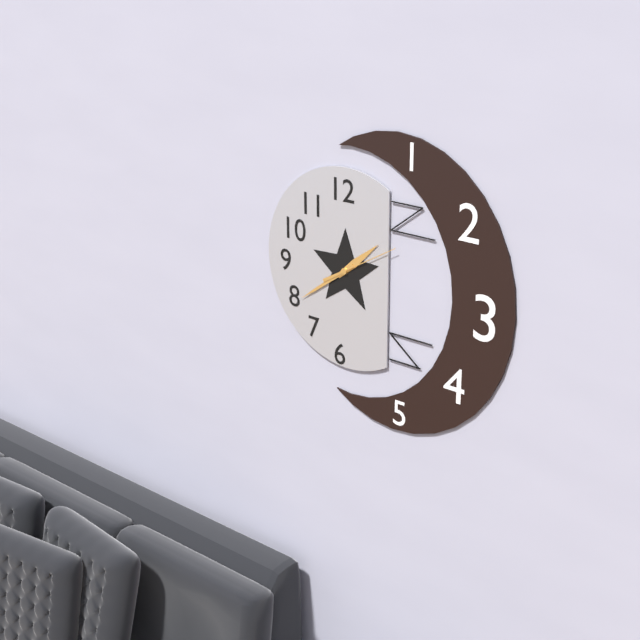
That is h=1 m=39 s=10
